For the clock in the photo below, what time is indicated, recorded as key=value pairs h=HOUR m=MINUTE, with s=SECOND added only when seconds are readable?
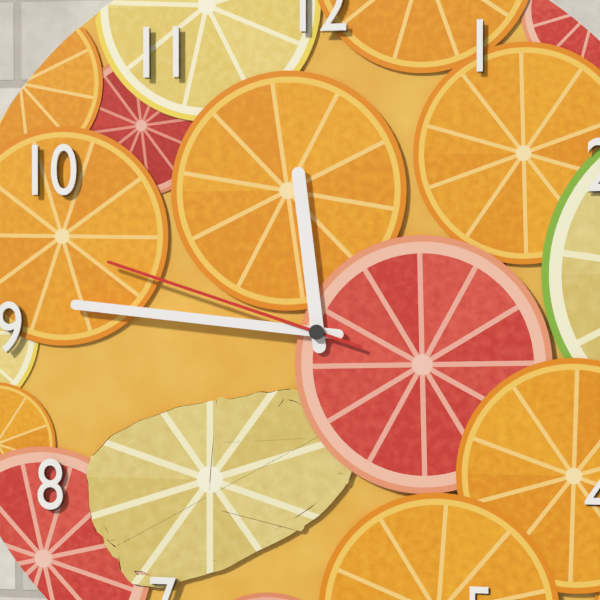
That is h=11 m=46 s=48
